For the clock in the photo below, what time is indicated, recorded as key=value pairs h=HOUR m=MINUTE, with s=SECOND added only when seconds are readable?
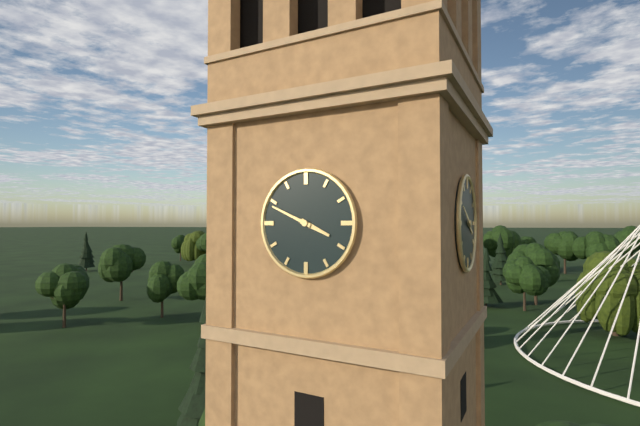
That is h=3 m=49
